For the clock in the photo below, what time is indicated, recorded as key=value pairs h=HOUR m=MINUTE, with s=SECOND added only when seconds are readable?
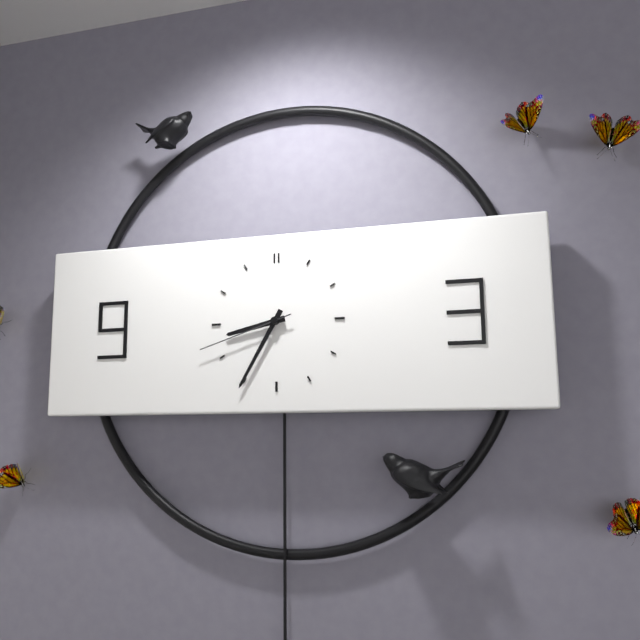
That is h=8 m=35 s=42
